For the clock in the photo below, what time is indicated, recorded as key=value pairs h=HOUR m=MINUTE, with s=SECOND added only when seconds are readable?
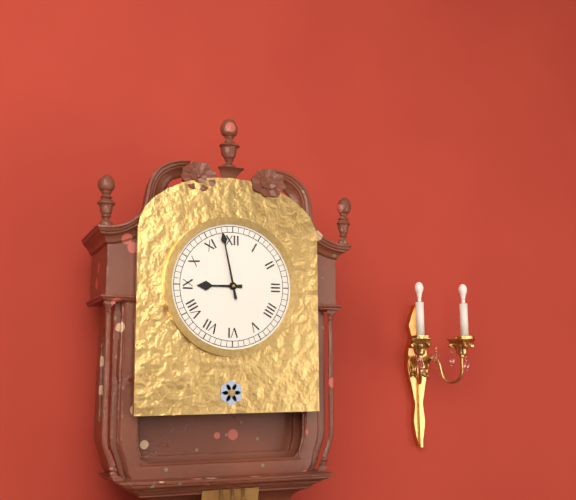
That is h=8 m=58
